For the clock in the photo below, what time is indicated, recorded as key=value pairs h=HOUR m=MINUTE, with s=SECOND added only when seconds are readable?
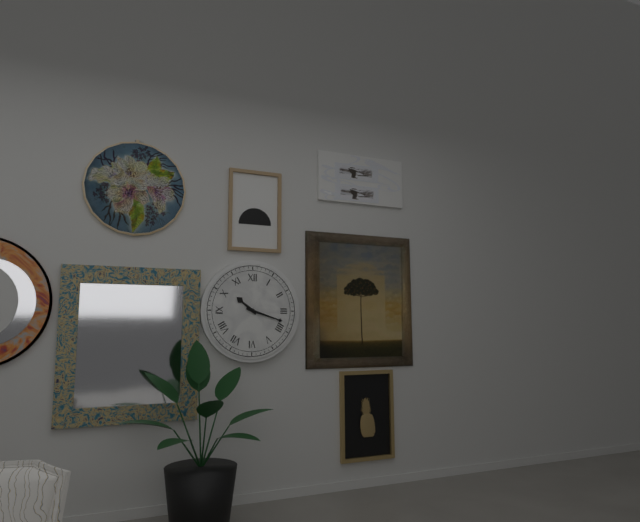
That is h=10 m=18
